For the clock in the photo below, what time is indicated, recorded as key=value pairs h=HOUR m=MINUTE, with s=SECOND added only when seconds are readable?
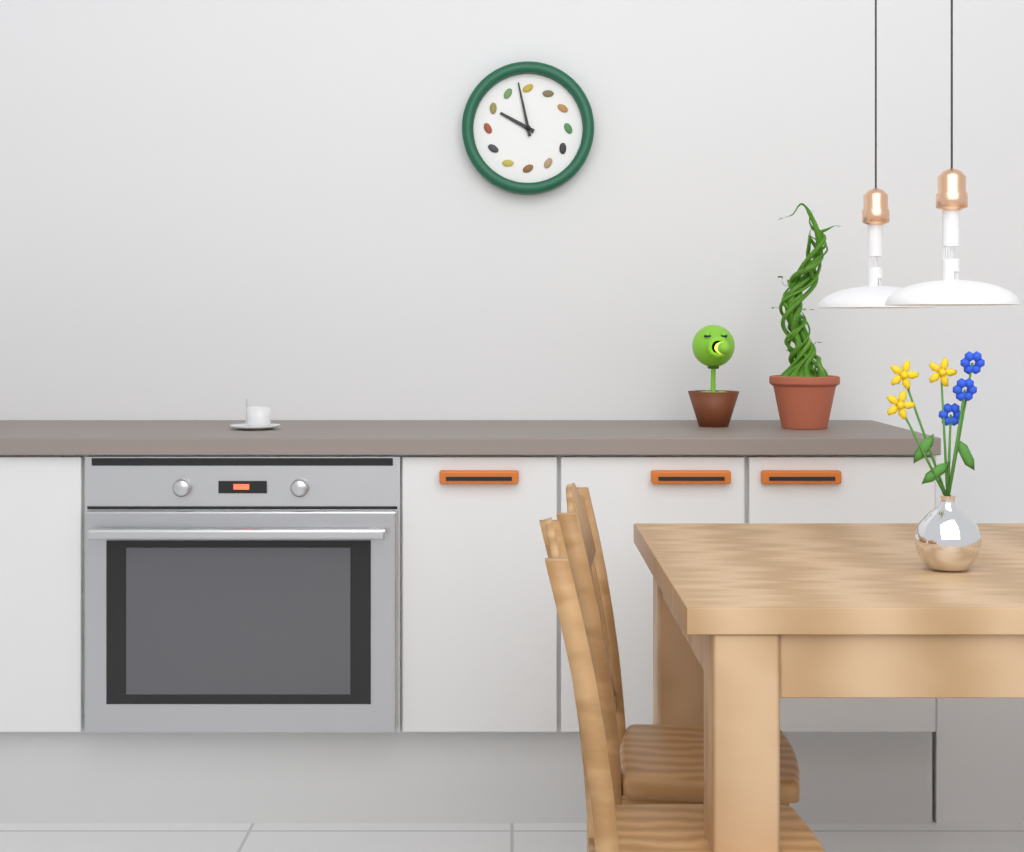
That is h=9 m=58
